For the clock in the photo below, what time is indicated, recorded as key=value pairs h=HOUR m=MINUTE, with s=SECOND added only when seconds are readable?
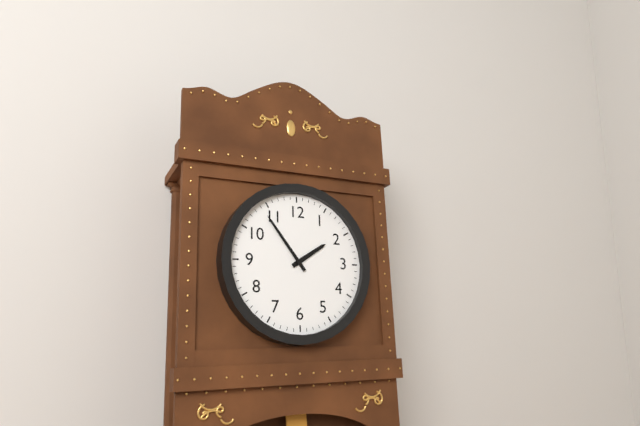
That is h=1 m=54
